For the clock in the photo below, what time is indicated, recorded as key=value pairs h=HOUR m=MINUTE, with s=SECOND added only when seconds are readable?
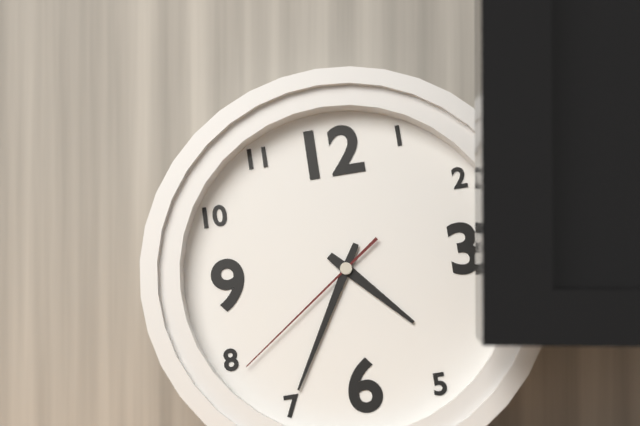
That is h=4 m=35 s=39
